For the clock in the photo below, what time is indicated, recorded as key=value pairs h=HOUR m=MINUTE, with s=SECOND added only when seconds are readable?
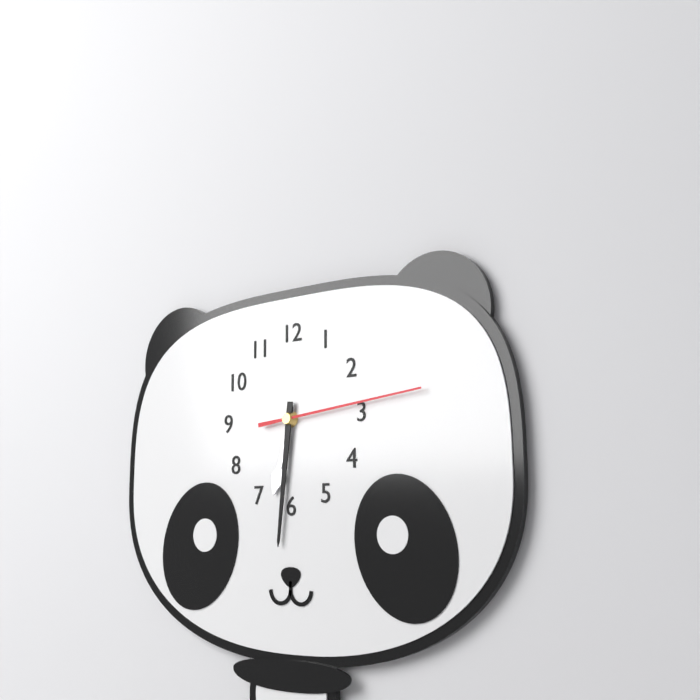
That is h=6 m=31 s=14
